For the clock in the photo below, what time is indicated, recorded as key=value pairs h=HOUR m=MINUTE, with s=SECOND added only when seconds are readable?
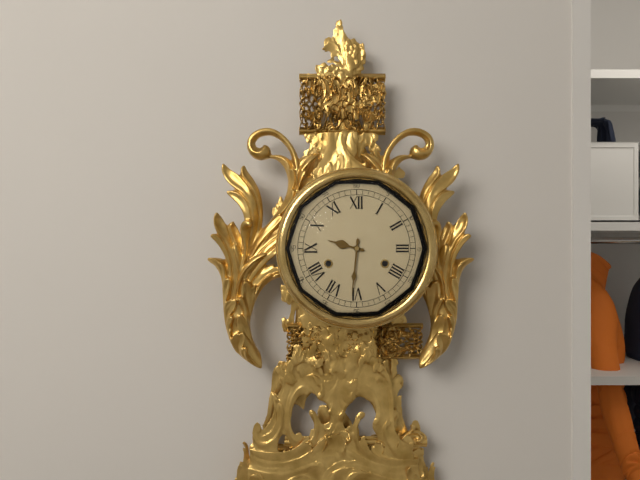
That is h=9 m=31
